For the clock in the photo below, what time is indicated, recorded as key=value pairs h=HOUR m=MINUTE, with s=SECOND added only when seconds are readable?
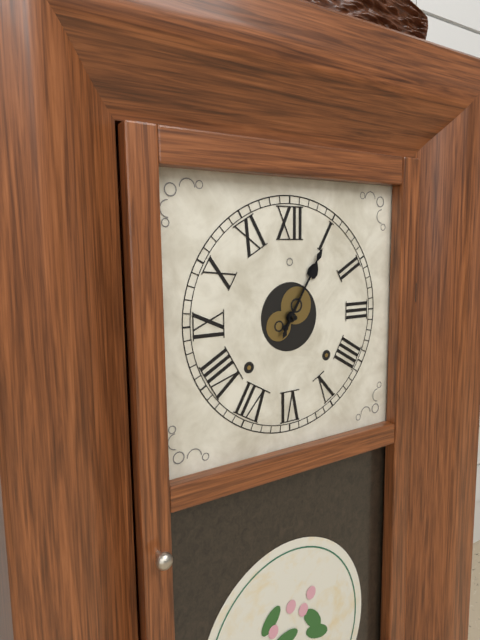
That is h=1 m=5
